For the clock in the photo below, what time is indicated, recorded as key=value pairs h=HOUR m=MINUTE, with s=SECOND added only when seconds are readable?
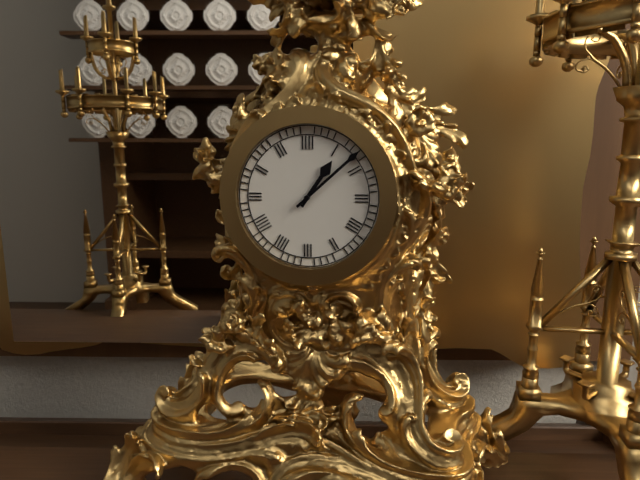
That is h=1 m=8
